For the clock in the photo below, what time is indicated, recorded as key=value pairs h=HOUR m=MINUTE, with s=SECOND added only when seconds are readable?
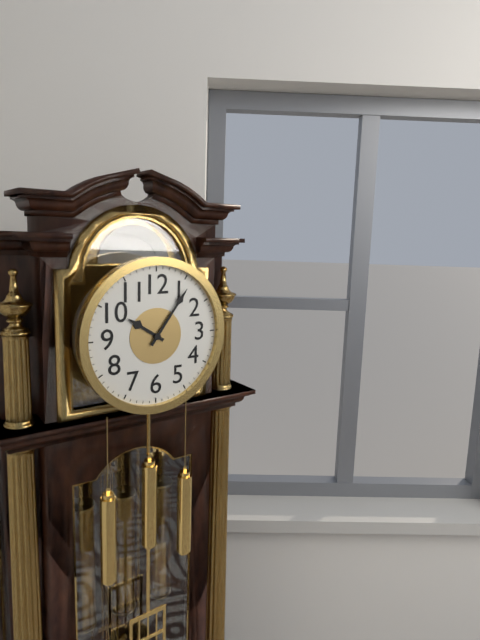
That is h=10 m=6
